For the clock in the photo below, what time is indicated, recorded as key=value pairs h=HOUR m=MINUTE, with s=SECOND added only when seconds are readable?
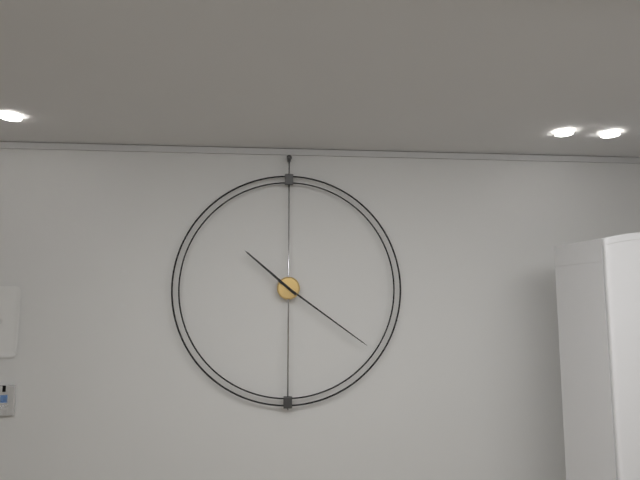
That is h=10 m=21
